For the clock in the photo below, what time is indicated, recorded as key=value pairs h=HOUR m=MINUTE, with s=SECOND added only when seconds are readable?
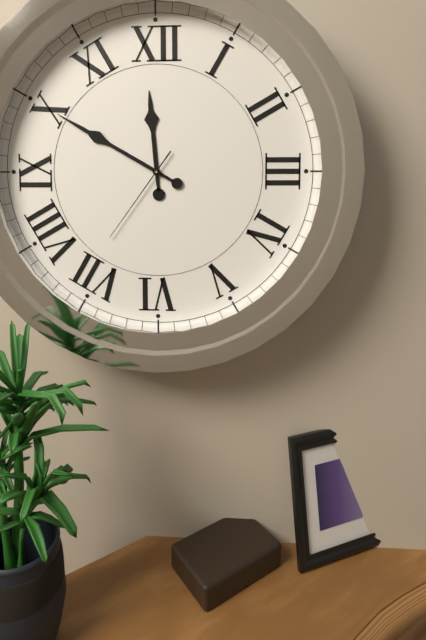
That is h=11 m=50 s=36
